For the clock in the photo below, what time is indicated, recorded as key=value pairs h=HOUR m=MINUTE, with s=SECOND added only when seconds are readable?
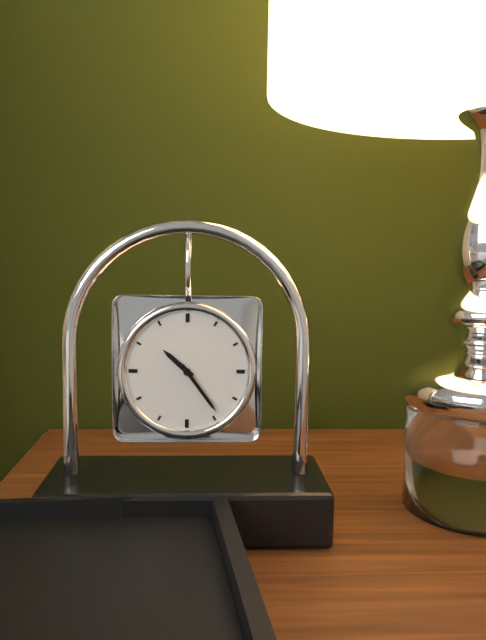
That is h=10 m=24
